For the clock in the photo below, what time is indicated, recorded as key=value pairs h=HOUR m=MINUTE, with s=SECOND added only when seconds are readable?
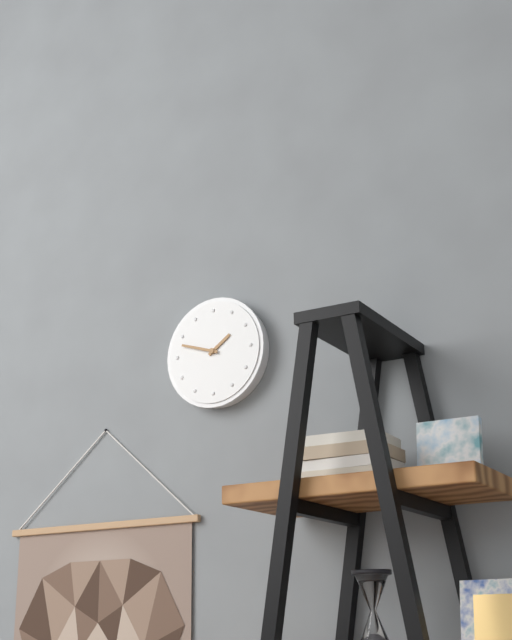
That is h=1 m=48
